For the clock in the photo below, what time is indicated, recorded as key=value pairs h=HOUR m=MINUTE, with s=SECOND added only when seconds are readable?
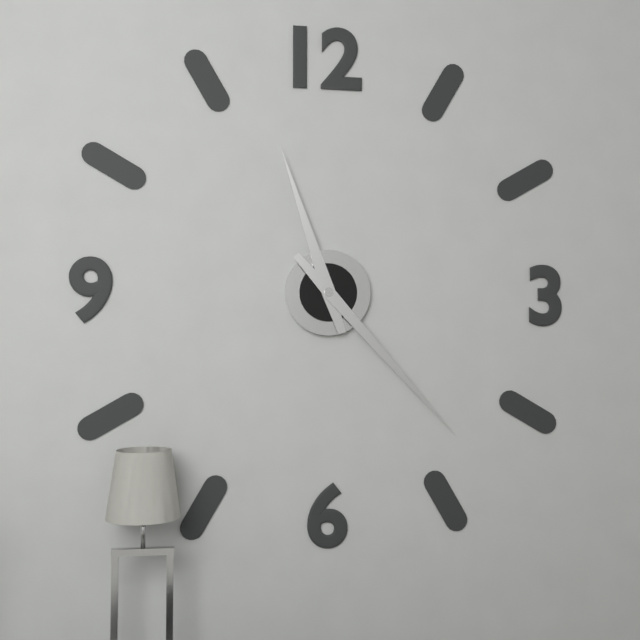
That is h=11 m=23
